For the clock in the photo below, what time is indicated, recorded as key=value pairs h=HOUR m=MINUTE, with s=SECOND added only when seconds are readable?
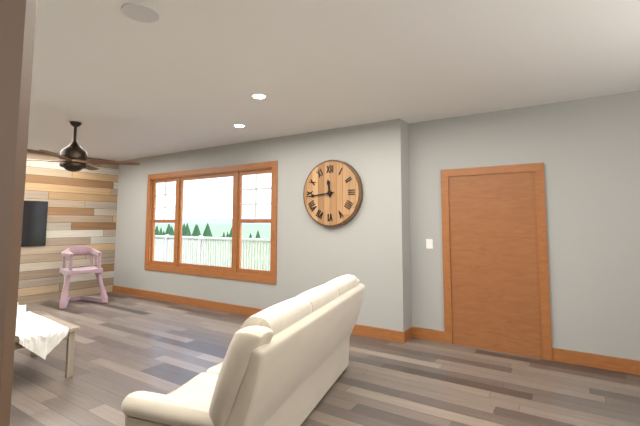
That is h=11 m=44
